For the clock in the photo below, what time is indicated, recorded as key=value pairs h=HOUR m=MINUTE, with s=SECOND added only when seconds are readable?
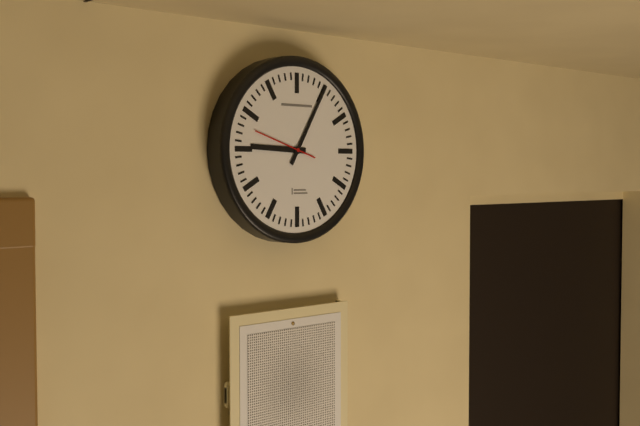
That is h=9 m=5 s=48
